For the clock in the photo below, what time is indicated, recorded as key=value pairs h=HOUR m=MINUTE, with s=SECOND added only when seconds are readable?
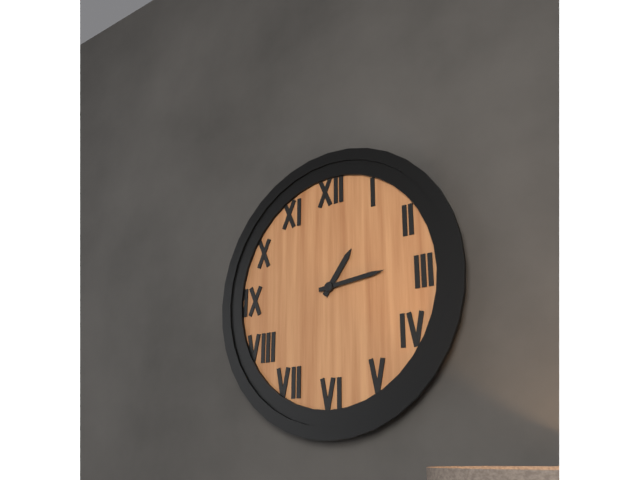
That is h=1 m=14
